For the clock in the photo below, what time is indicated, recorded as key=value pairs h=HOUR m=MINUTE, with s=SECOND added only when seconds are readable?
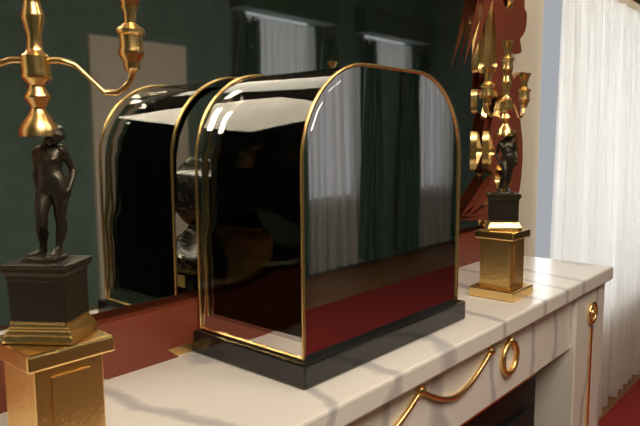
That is h=3 m=52
